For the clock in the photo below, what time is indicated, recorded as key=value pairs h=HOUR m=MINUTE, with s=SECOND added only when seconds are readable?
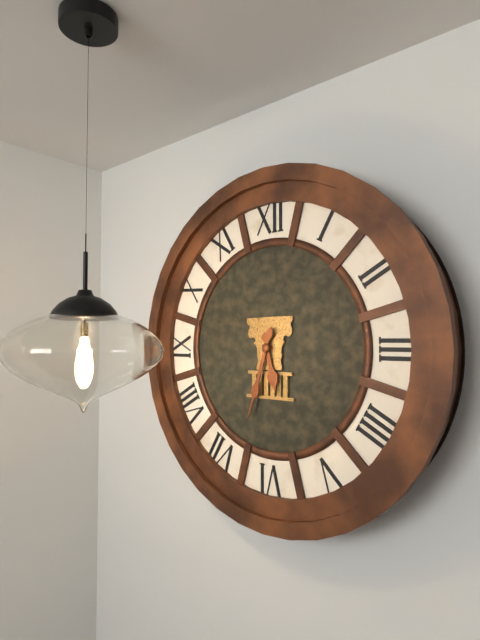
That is h=5 m=33
